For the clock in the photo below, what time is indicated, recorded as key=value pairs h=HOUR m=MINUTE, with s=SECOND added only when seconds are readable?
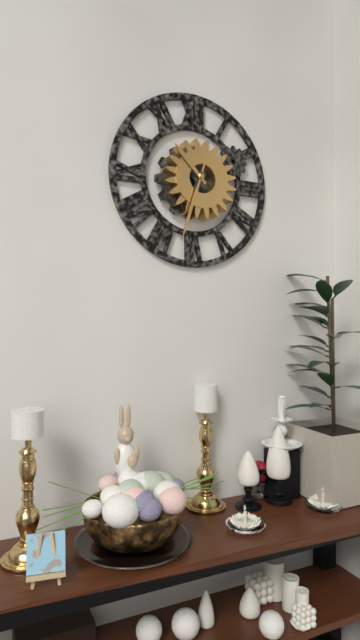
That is h=10 m=33
